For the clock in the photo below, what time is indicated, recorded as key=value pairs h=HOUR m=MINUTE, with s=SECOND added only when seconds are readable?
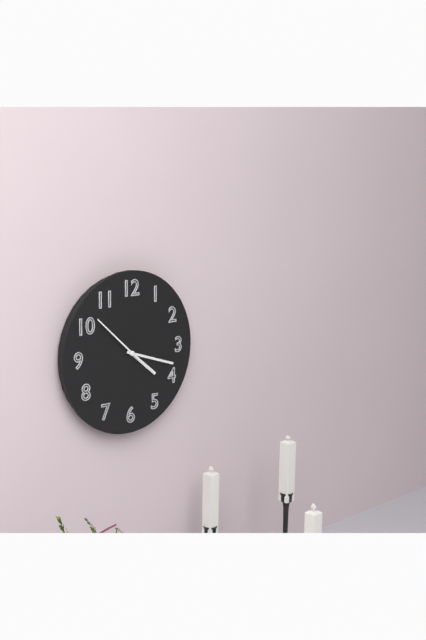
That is h=4 m=18 s=52
